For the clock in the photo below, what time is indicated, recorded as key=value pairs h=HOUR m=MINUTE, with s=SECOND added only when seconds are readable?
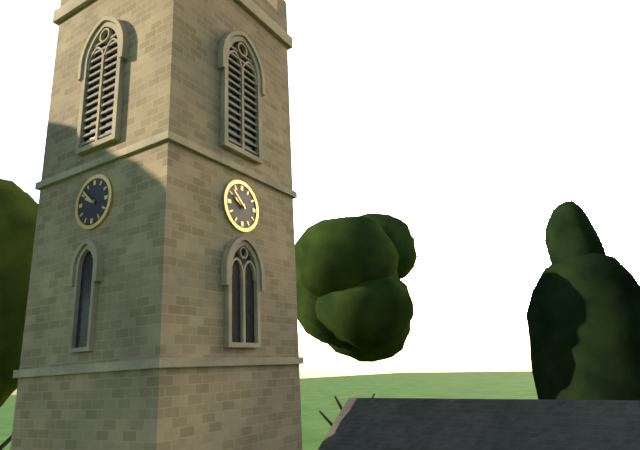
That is h=9 m=52
